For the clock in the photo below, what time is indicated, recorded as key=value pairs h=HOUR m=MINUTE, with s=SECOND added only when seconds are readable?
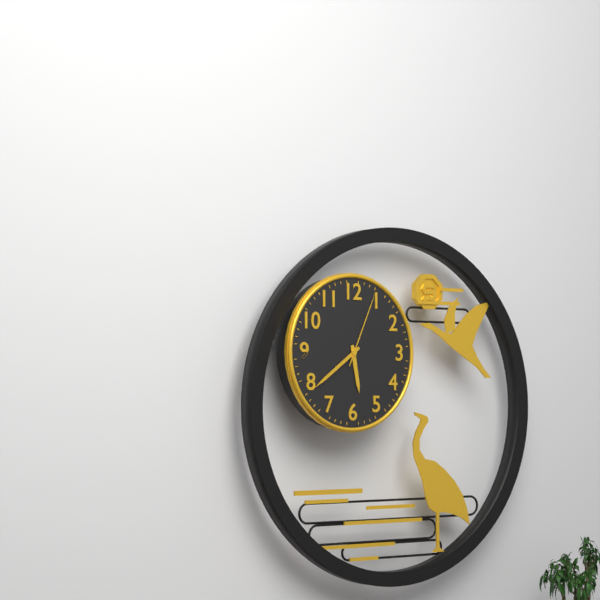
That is h=5 m=39 s=4
